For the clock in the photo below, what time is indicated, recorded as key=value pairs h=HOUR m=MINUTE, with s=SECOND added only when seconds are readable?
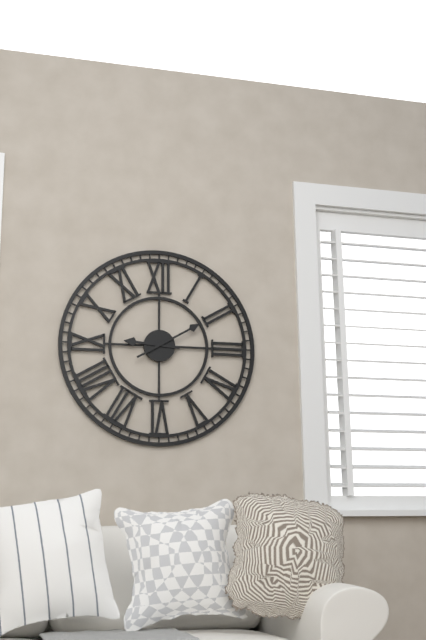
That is h=9 m=10
